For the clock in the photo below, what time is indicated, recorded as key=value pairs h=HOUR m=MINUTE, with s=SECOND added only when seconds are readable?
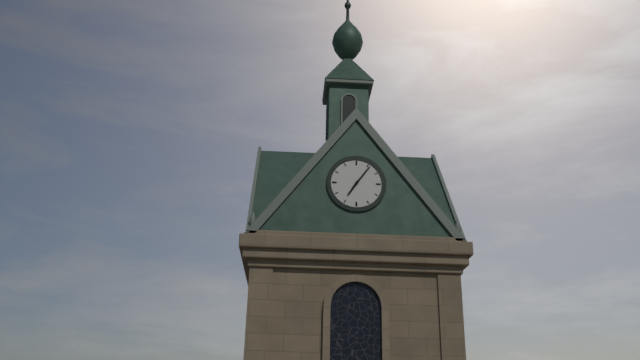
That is h=7 m=6
